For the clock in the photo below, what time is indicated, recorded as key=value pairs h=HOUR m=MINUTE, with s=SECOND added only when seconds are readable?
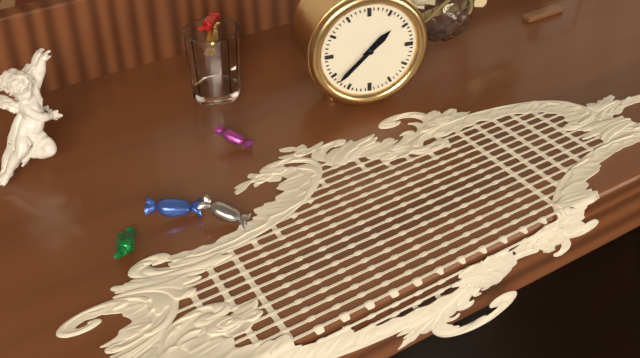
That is h=1 m=38
